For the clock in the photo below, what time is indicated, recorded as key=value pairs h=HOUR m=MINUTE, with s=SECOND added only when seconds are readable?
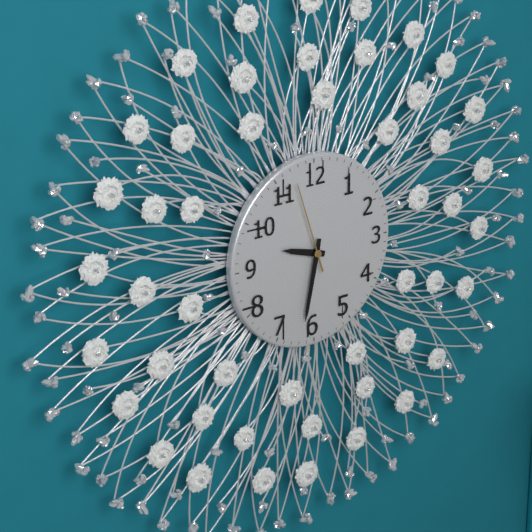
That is h=9 m=32 s=57
